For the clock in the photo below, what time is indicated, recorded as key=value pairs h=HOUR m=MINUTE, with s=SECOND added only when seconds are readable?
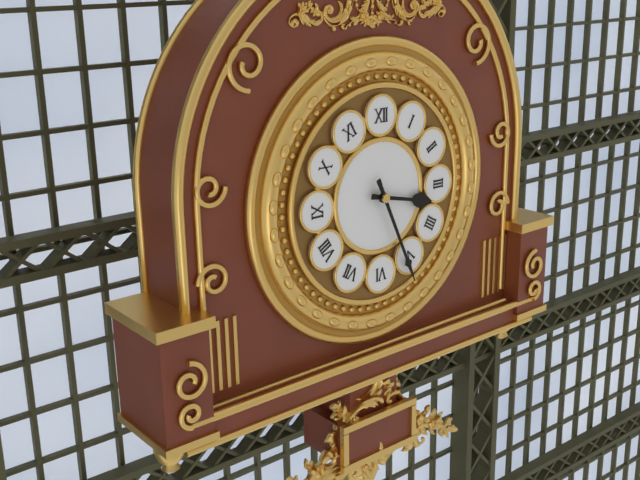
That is h=3 m=26
